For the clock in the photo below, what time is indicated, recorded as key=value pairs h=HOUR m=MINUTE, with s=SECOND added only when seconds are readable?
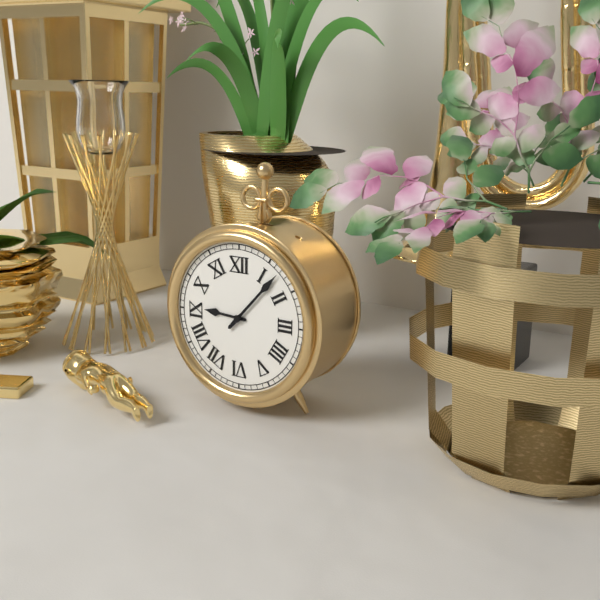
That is h=9 m=7
